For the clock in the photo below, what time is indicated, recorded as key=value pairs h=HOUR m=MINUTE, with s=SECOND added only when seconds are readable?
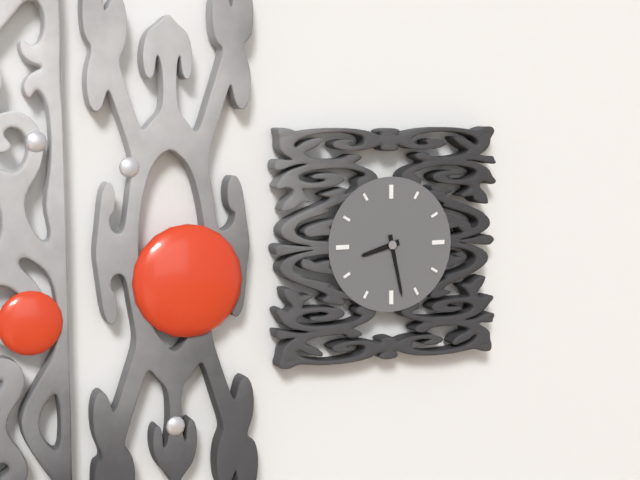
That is h=8 m=28
